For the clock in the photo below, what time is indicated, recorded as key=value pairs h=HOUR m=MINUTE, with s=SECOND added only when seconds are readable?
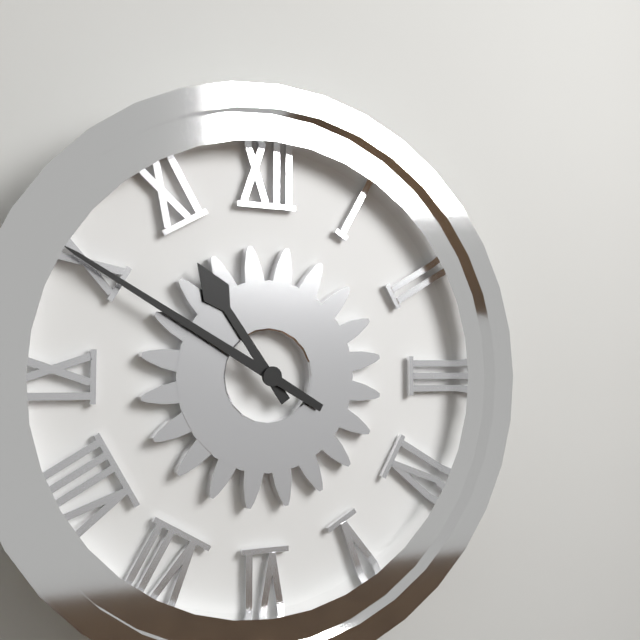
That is h=10 m=50
